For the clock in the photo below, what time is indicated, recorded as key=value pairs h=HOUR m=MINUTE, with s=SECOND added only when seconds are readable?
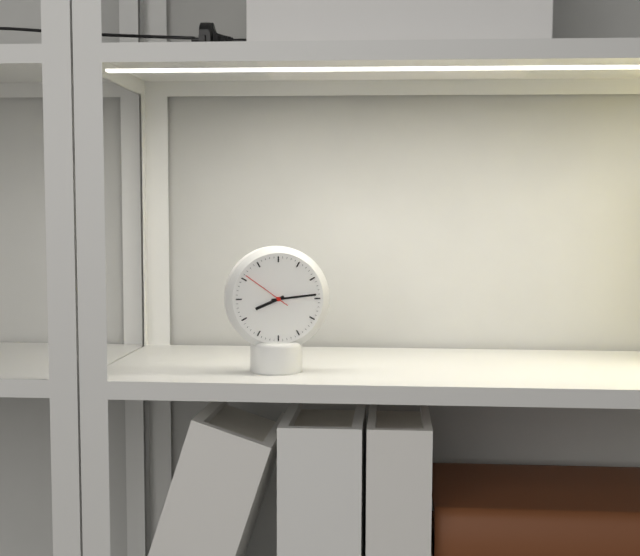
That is h=8 m=14 s=51
